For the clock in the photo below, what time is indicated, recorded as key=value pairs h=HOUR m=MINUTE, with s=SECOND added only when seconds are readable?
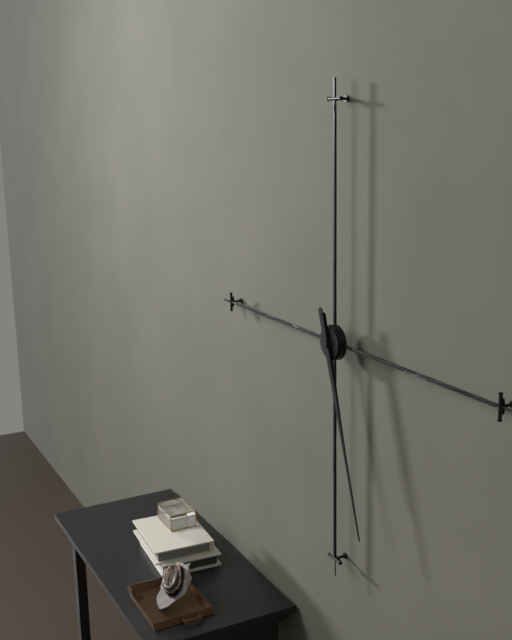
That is h=5 m=27
